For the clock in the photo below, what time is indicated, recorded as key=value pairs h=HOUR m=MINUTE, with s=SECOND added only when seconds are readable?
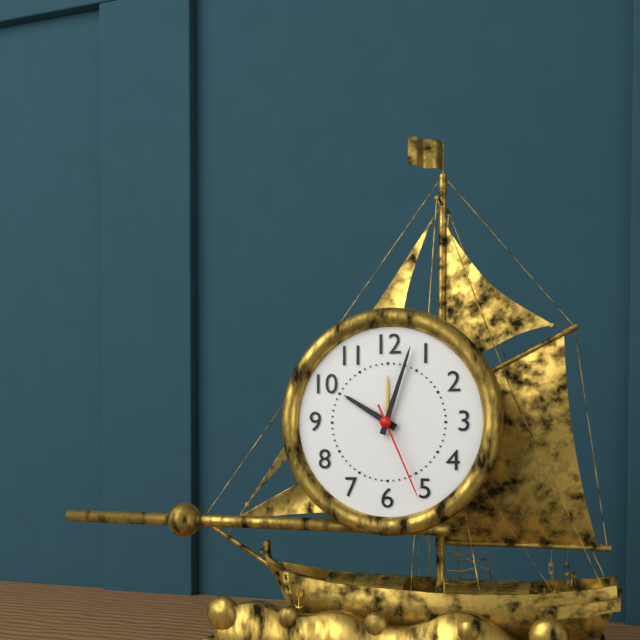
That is h=10 m=3 s=26
